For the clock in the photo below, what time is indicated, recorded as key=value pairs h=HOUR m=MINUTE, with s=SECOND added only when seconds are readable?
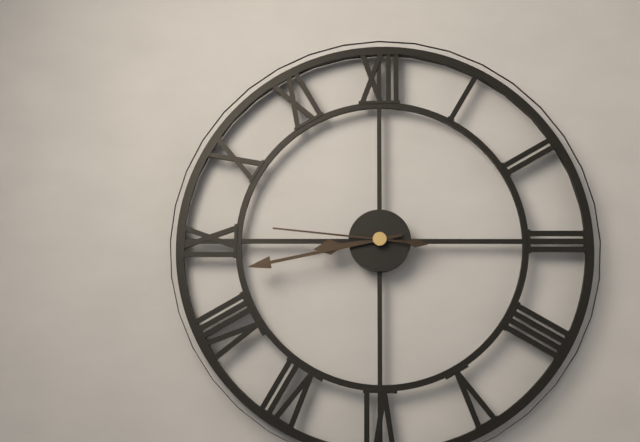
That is h=8 m=43 s=46
